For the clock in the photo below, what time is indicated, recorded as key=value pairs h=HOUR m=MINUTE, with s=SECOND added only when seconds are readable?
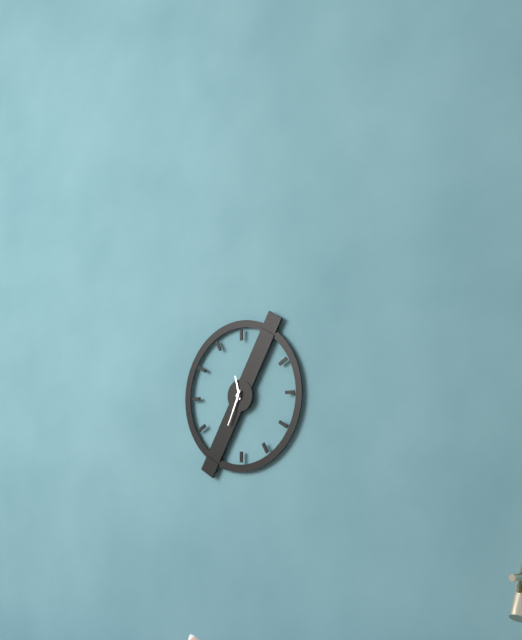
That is h=11 m=34
